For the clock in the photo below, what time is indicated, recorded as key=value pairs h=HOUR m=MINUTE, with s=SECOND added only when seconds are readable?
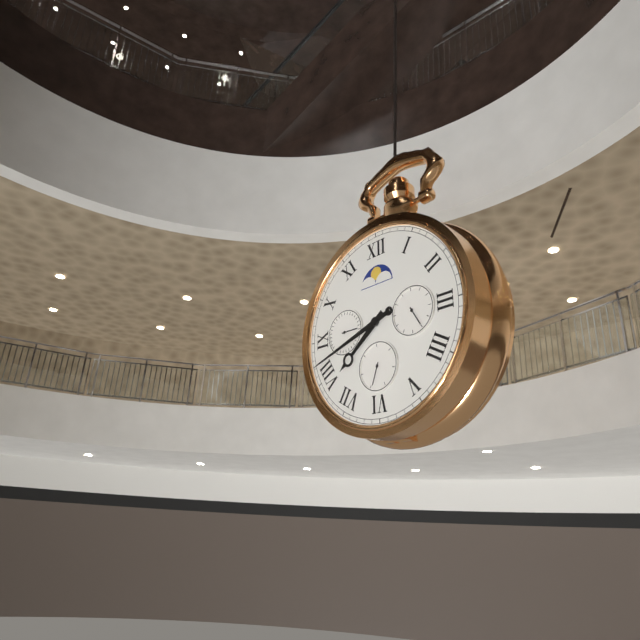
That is h=7 m=42
